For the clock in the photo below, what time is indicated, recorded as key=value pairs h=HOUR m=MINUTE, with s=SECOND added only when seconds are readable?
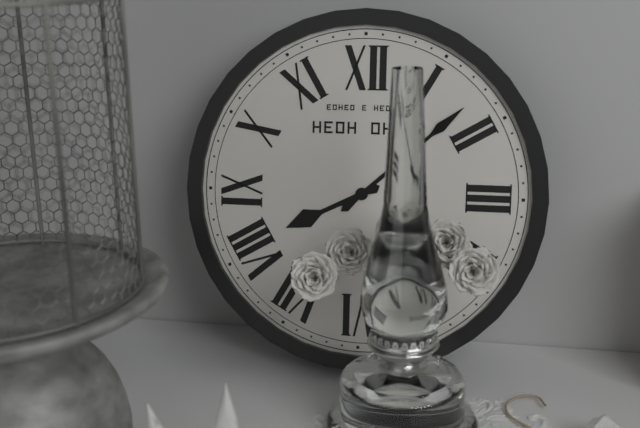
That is h=8 m=8
